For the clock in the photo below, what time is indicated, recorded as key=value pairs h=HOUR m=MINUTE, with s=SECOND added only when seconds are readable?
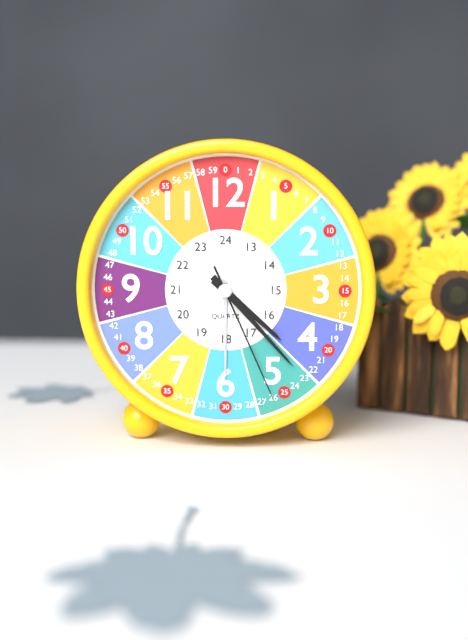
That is h=4 m=23 s=26
